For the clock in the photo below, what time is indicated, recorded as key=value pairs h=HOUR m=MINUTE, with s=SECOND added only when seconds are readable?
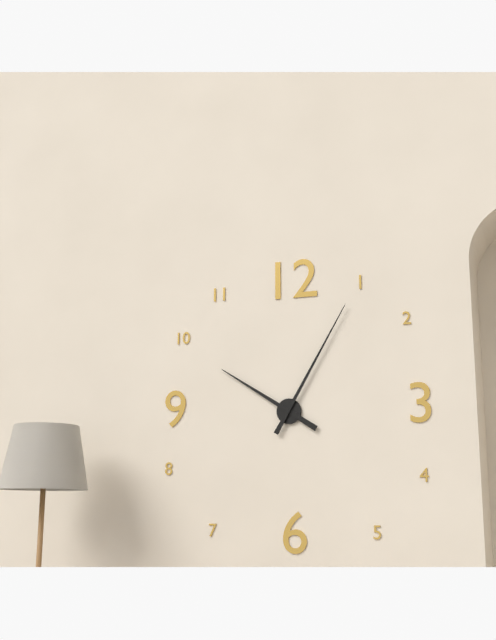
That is h=10 m=5
